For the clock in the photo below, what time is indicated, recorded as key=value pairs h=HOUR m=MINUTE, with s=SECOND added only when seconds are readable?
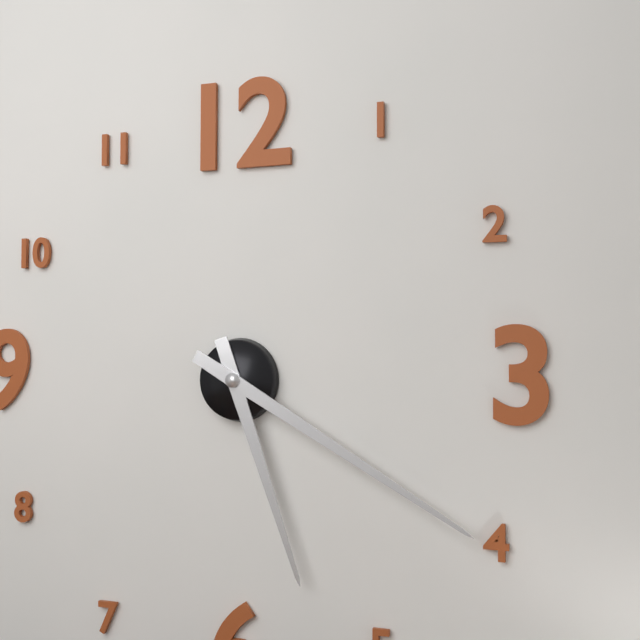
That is h=5 m=20
